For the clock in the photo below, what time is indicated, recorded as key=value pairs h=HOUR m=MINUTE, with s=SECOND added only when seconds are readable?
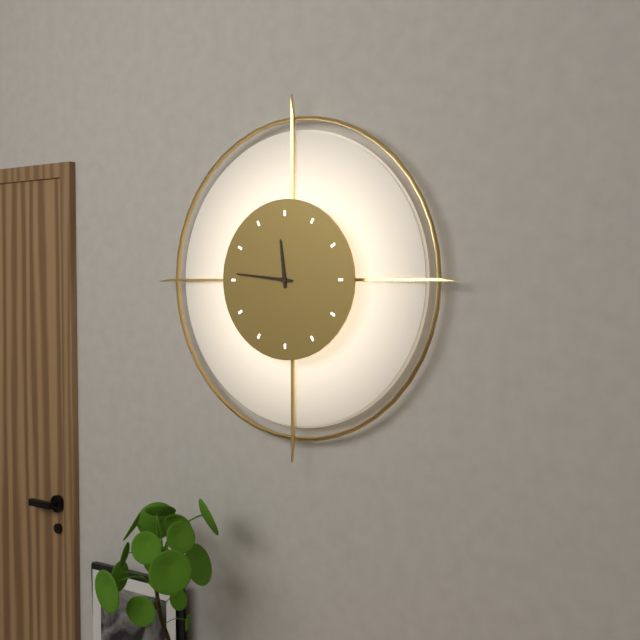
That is h=11 m=46
